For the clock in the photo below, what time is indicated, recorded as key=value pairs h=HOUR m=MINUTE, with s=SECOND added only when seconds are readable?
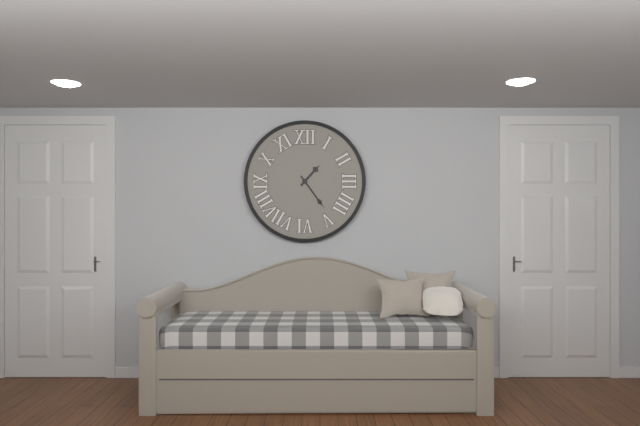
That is h=1 m=24
